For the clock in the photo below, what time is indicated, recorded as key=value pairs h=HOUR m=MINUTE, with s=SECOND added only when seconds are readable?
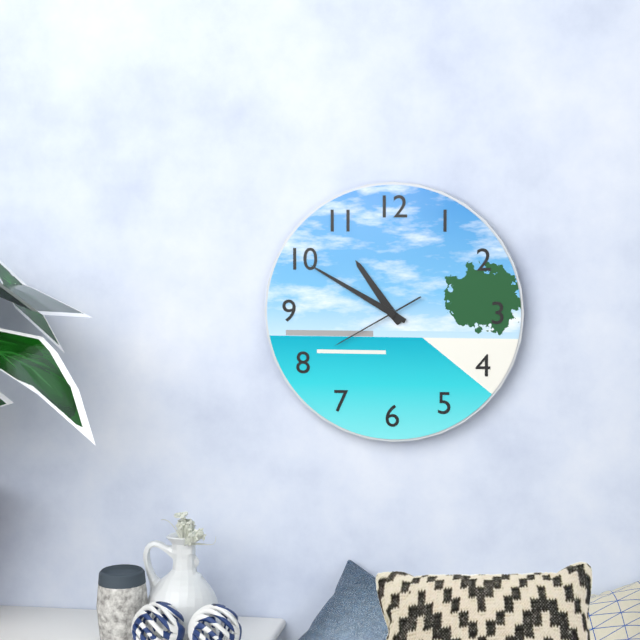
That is h=10 m=50 s=40
